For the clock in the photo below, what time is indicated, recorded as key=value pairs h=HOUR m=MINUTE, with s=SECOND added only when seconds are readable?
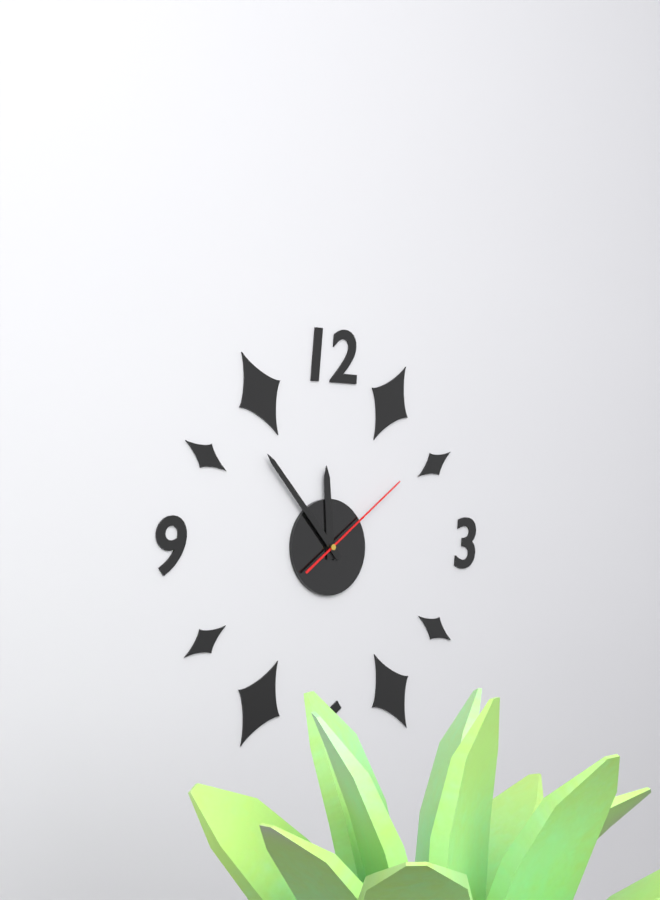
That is h=11 m=53 s=9
